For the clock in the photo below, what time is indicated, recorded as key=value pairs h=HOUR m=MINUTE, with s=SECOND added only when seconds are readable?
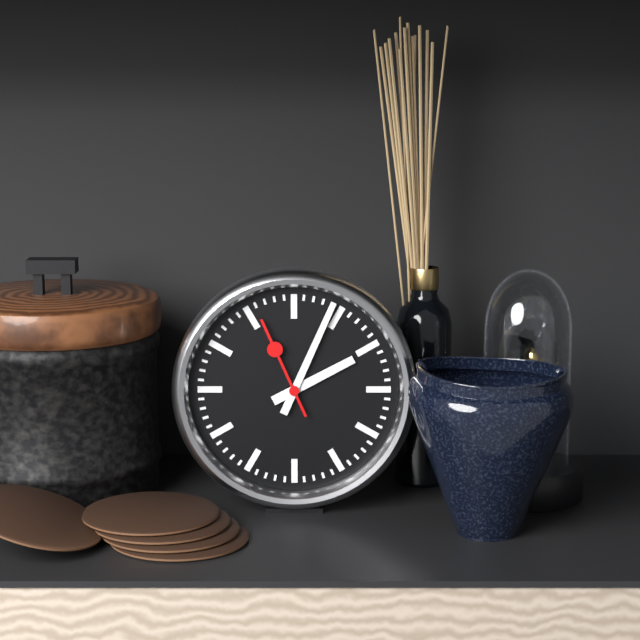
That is h=2 m=4 s=56
